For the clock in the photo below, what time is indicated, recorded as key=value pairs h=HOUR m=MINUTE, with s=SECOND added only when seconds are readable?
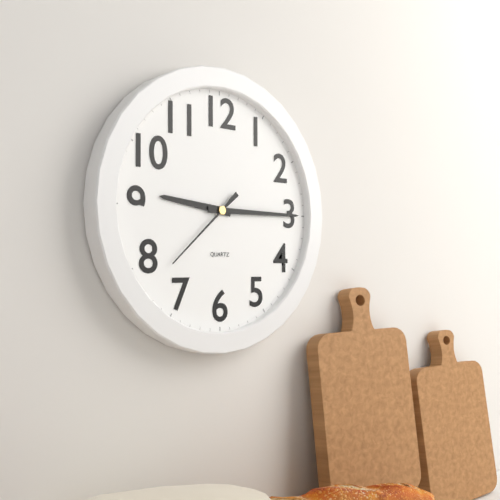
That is h=9 m=15 s=38
